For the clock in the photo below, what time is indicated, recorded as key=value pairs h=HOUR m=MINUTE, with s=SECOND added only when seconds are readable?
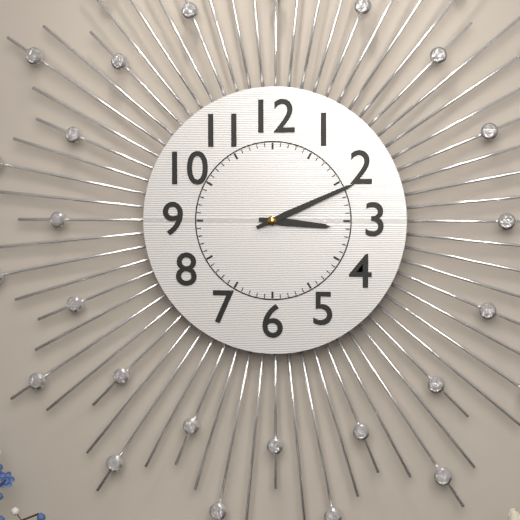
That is h=3 m=11
